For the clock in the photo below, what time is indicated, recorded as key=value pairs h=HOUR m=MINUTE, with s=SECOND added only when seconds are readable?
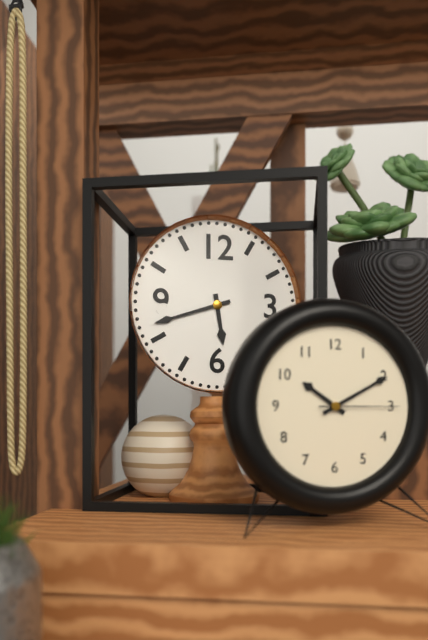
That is h=5 m=42
